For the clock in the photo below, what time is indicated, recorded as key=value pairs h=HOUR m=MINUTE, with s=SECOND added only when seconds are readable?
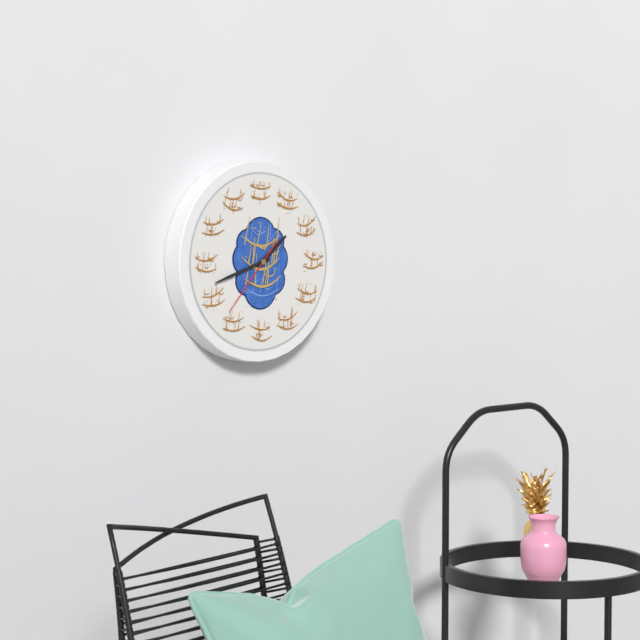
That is h=1 m=42 s=37
